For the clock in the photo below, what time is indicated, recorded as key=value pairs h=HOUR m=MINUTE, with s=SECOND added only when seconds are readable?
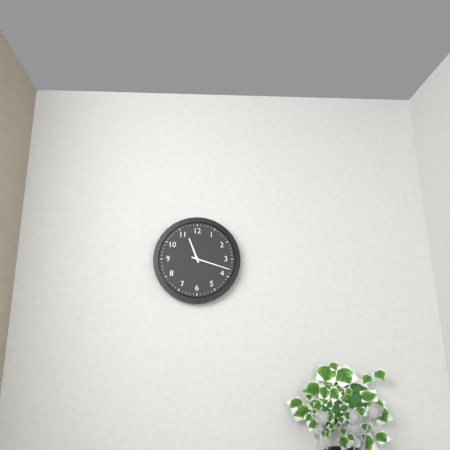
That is h=11 m=18
